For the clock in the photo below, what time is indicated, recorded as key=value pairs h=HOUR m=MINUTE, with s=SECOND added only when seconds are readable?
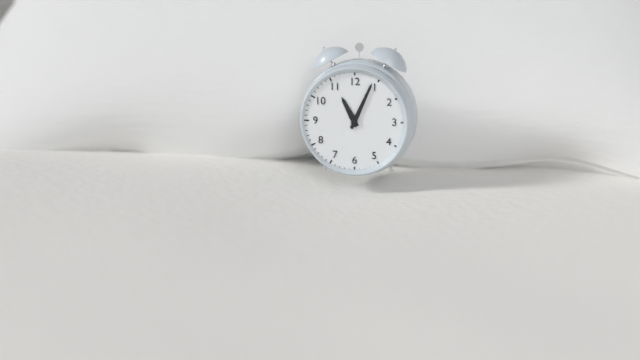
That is h=11 m=4
